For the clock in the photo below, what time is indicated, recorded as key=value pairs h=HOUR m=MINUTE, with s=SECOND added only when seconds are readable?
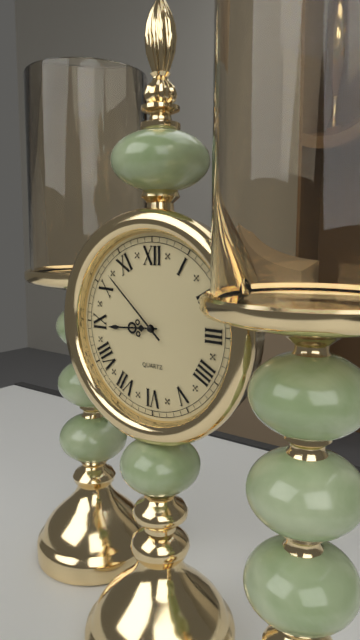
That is h=8 m=52
